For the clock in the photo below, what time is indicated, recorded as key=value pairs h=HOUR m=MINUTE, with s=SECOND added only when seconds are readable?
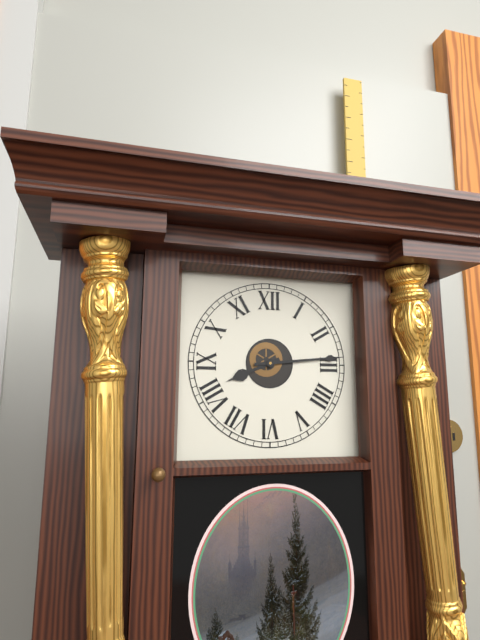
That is h=8 m=14
